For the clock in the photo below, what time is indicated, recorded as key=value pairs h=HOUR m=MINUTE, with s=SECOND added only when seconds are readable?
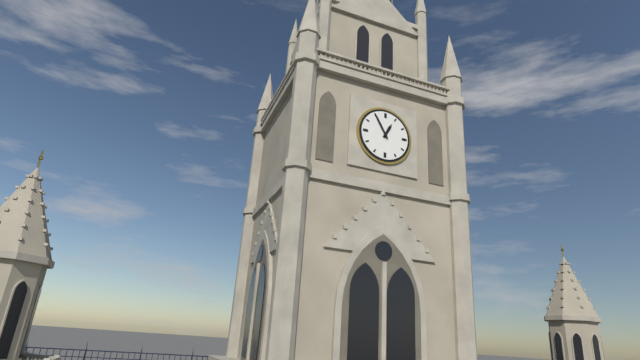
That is h=12 m=55
